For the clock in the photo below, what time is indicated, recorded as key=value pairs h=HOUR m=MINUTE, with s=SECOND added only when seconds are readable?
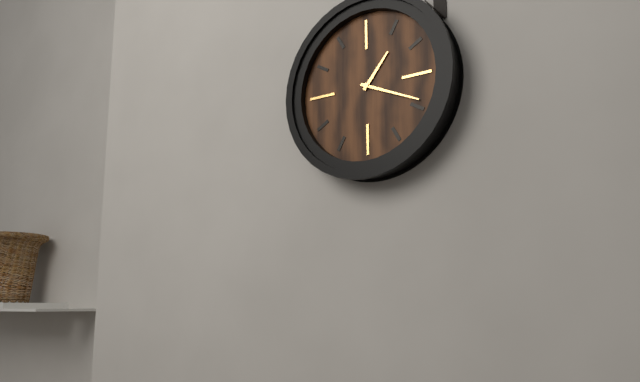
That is h=1 m=19
